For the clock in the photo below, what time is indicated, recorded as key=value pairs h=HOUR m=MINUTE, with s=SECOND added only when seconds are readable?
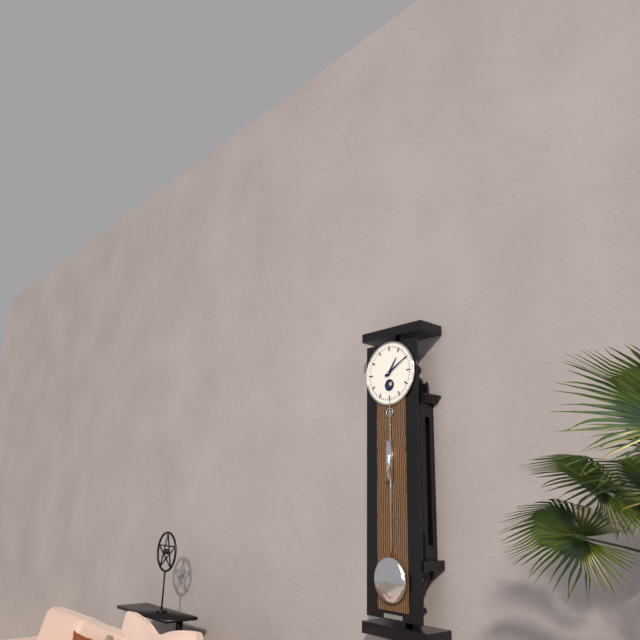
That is h=1 m=10
